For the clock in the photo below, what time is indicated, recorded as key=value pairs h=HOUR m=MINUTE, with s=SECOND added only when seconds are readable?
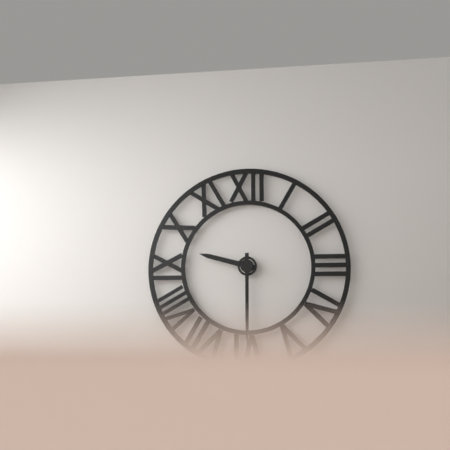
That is h=9 m=30
